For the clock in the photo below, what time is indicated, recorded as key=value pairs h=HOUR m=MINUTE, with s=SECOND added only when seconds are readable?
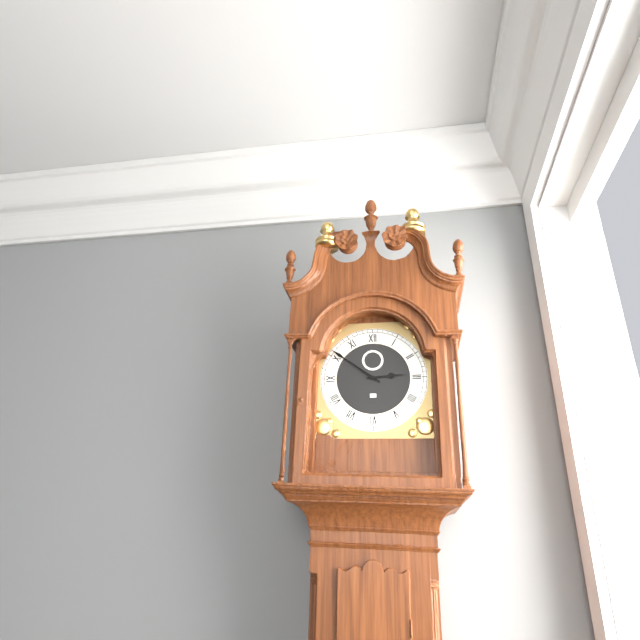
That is h=2 m=51
